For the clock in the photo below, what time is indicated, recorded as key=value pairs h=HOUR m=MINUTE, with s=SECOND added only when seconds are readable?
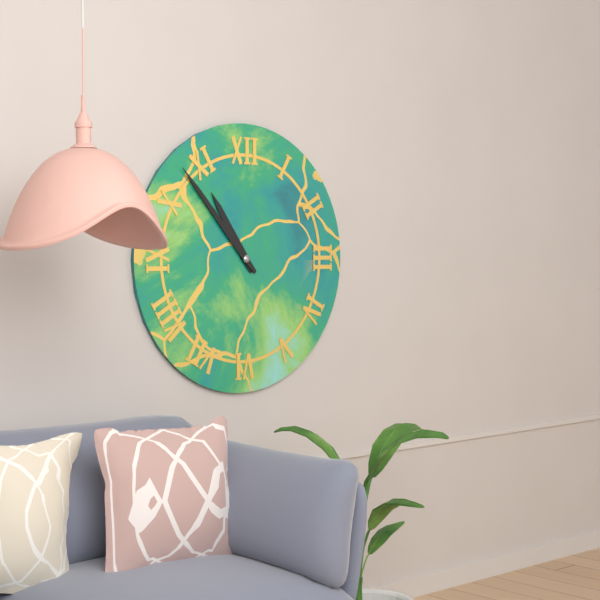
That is h=10 m=53
